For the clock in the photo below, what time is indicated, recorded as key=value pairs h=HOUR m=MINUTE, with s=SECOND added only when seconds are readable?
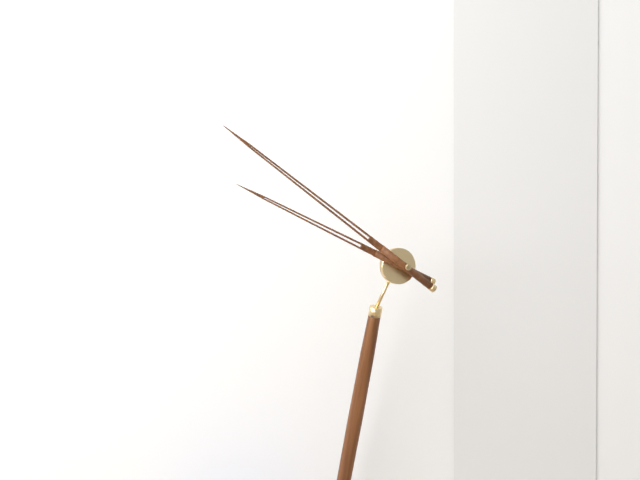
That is h=9 m=51
